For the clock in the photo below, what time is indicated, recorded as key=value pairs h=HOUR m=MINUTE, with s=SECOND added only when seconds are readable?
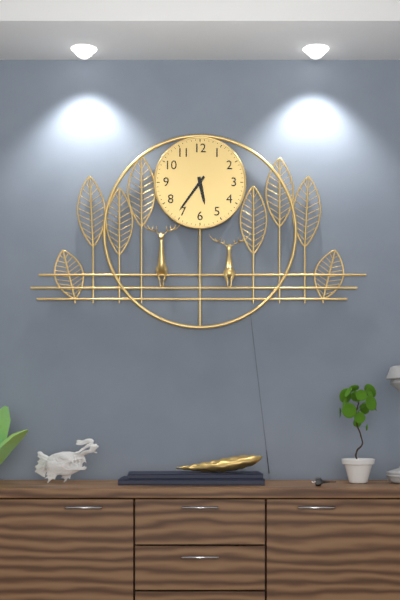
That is h=5 m=36
